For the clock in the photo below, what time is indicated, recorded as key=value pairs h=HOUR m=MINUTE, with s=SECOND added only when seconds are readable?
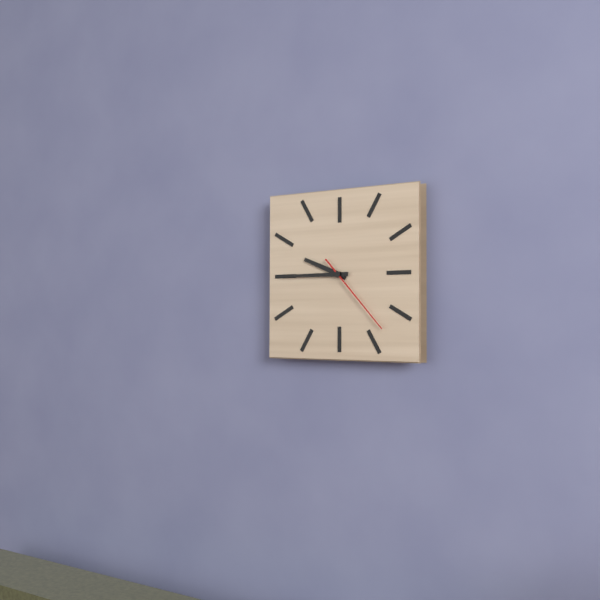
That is h=9 m=45 s=23
